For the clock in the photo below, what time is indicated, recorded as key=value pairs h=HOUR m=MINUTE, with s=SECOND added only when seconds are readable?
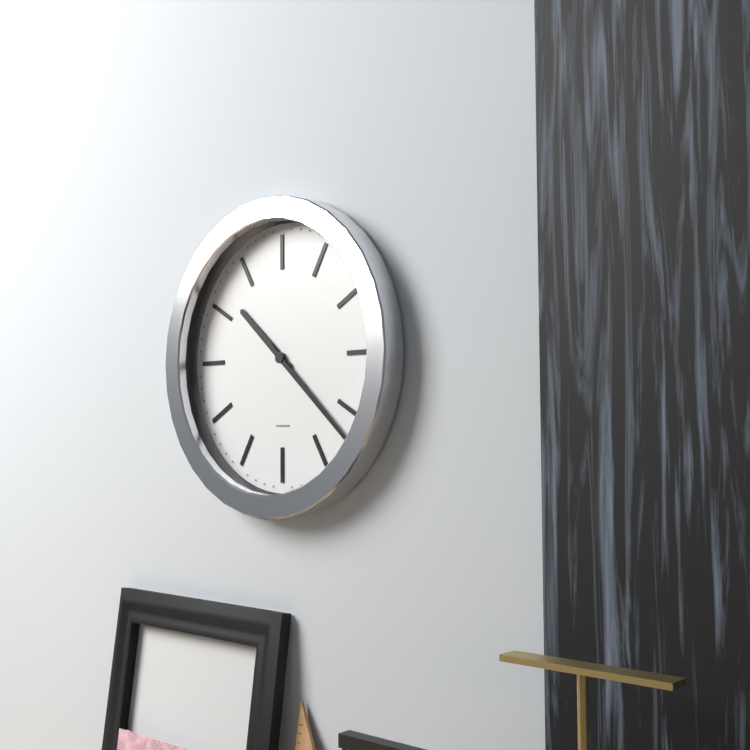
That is h=10 m=22
